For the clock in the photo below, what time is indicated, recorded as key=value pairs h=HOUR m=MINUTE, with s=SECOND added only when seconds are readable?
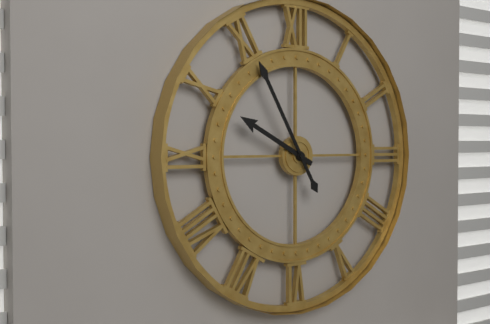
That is h=9 m=55
